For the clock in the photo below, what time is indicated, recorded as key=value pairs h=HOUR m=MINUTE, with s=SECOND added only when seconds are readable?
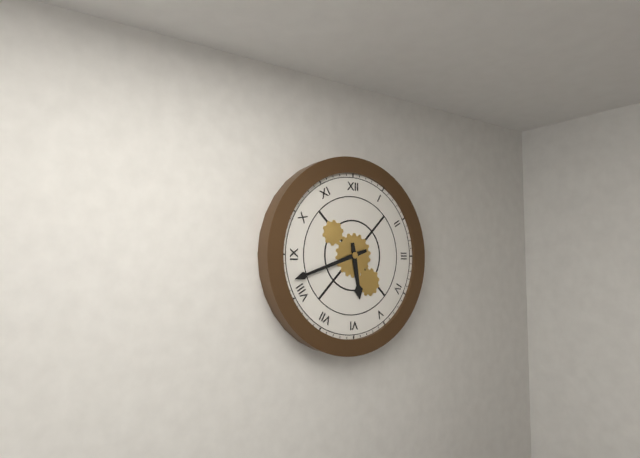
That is h=5 m=42
